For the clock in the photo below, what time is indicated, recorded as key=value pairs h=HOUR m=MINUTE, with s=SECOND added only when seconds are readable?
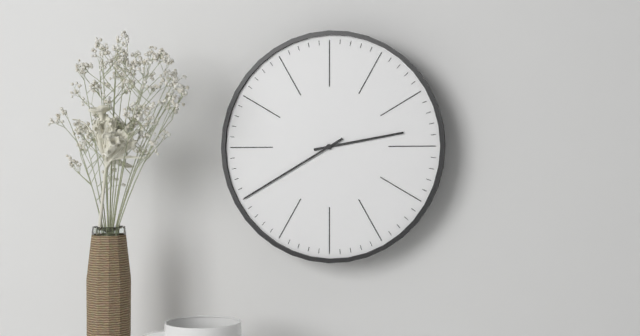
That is h=2 m=40
